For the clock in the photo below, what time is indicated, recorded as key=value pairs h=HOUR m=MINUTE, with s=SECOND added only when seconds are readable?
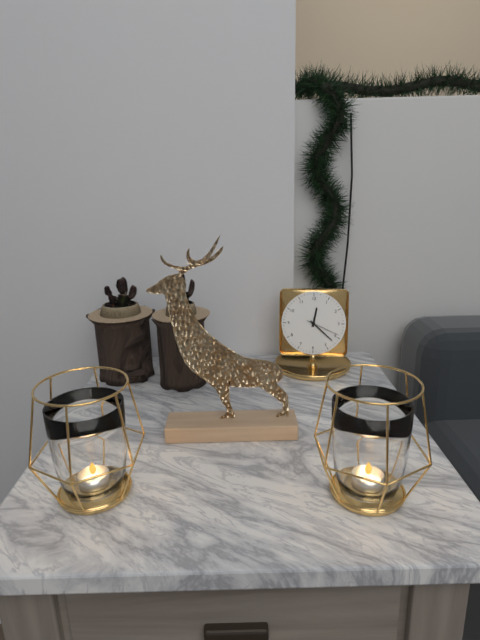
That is h=12 m=22
